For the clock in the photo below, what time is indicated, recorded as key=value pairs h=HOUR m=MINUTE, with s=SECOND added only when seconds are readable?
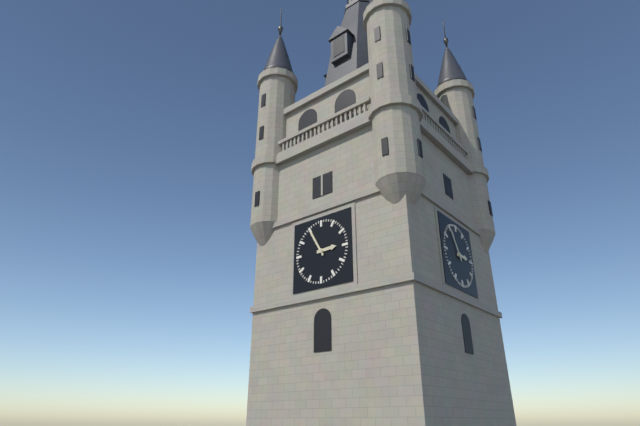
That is h=2 m=55
